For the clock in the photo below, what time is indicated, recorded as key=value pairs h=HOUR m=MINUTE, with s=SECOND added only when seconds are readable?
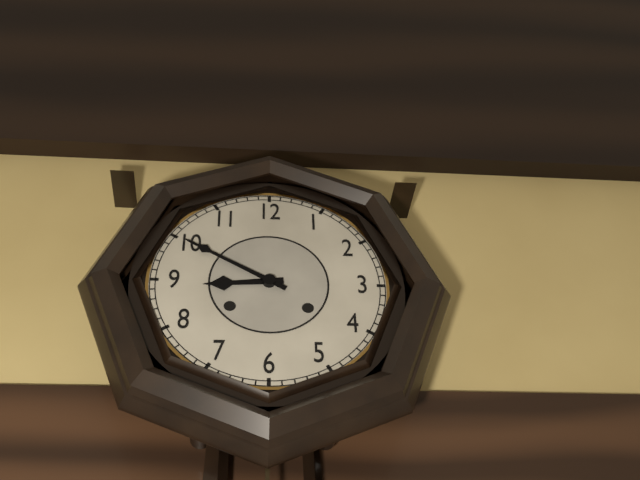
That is h=8 m=50
